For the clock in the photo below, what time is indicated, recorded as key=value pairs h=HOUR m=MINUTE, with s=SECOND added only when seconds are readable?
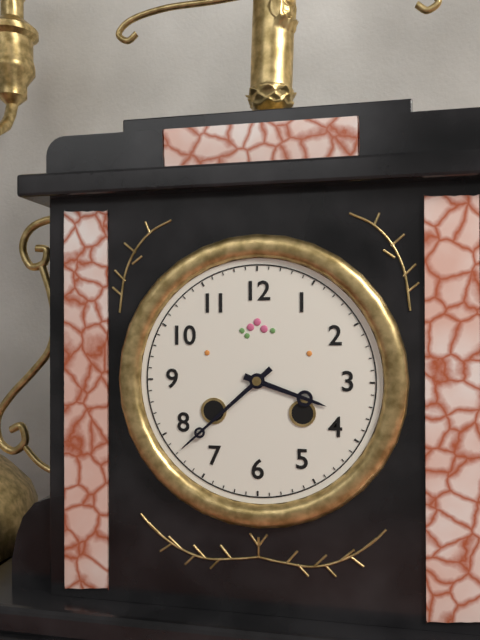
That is h=3 m=38
